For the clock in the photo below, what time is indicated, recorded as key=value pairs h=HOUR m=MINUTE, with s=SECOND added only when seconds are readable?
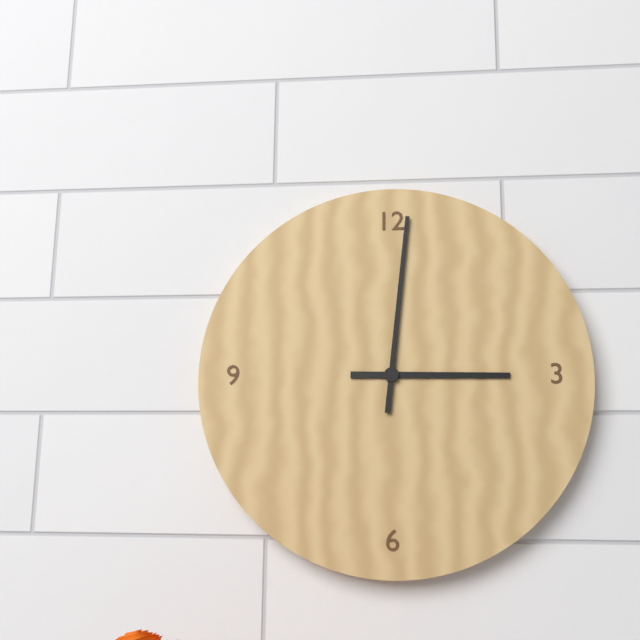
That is h=3 m=1
